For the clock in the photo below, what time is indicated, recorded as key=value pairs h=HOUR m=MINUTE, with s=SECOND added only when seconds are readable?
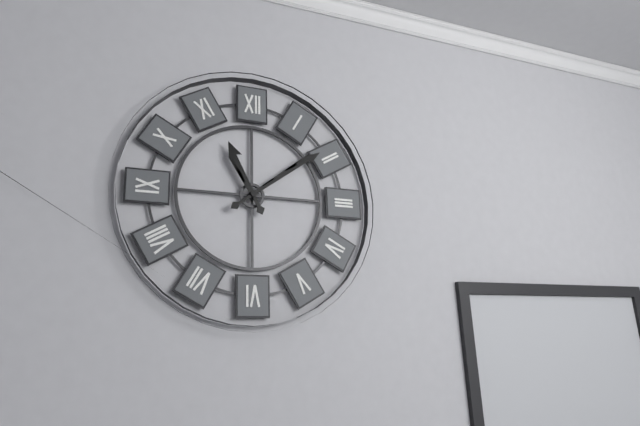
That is h=11 m=9
